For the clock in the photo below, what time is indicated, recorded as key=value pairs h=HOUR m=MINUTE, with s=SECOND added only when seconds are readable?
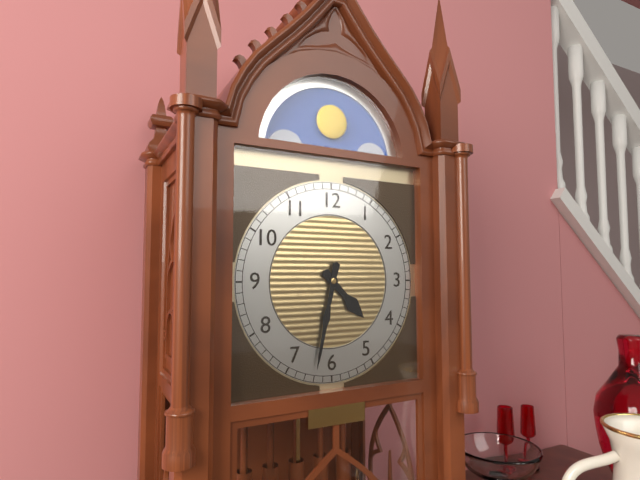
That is h=4 m=32
